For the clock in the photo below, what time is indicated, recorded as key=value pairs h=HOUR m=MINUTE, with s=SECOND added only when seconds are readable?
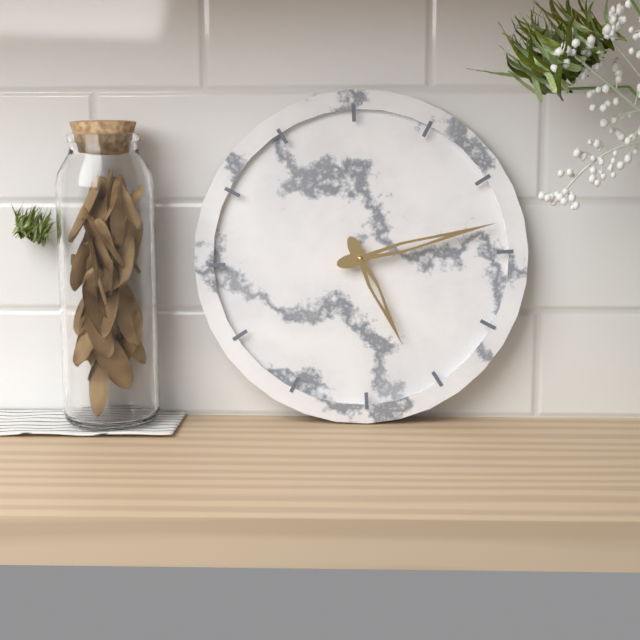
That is h=5 m=13
